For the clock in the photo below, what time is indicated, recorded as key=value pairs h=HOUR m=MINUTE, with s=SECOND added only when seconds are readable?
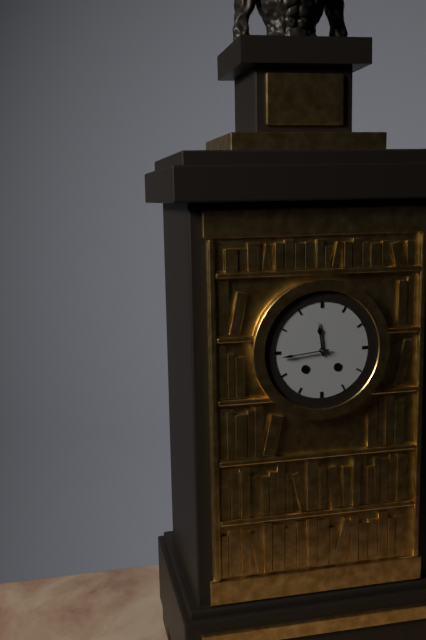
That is h=11 m=44
